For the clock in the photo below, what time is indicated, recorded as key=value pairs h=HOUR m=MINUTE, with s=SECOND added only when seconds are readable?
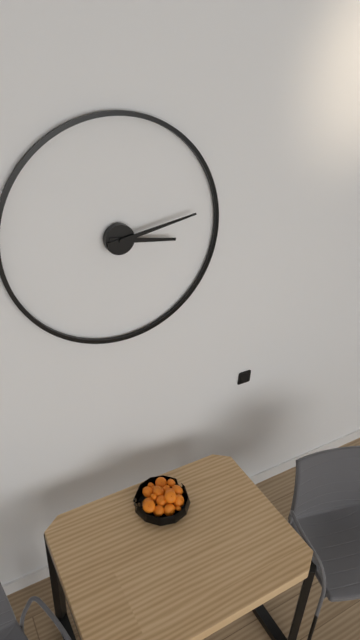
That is h=3 m=13
